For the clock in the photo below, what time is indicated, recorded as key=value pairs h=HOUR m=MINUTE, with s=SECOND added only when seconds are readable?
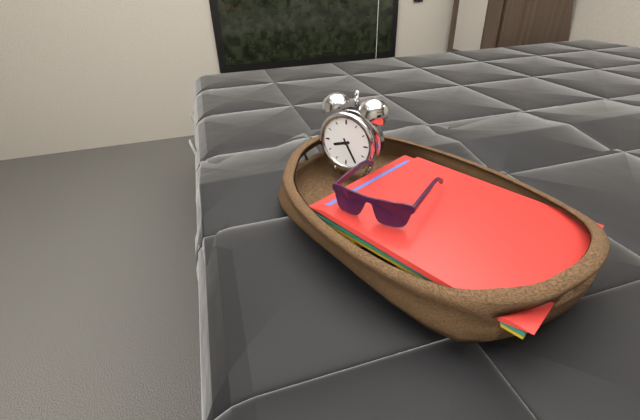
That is h=8 m=25
